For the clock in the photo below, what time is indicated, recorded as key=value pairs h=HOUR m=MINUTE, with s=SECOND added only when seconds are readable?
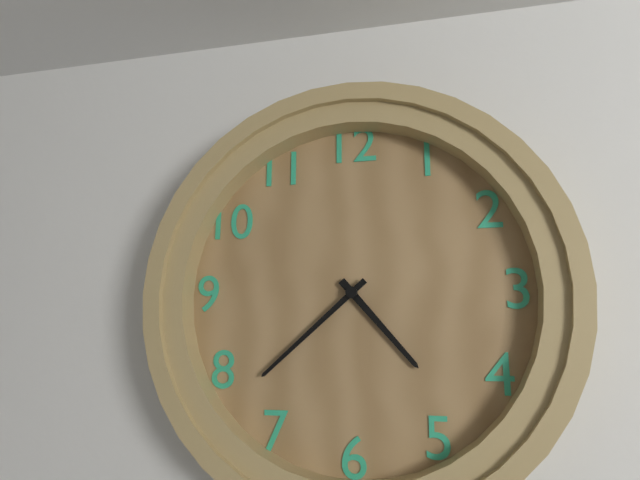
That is h=4 m=38
